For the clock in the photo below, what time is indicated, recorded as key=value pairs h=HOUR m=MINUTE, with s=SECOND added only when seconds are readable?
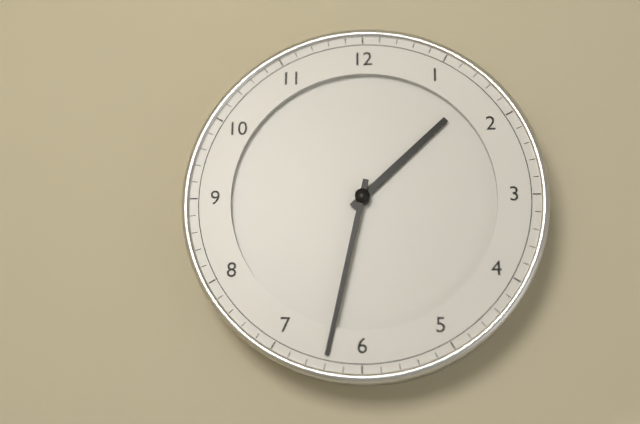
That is h=1 m=32
